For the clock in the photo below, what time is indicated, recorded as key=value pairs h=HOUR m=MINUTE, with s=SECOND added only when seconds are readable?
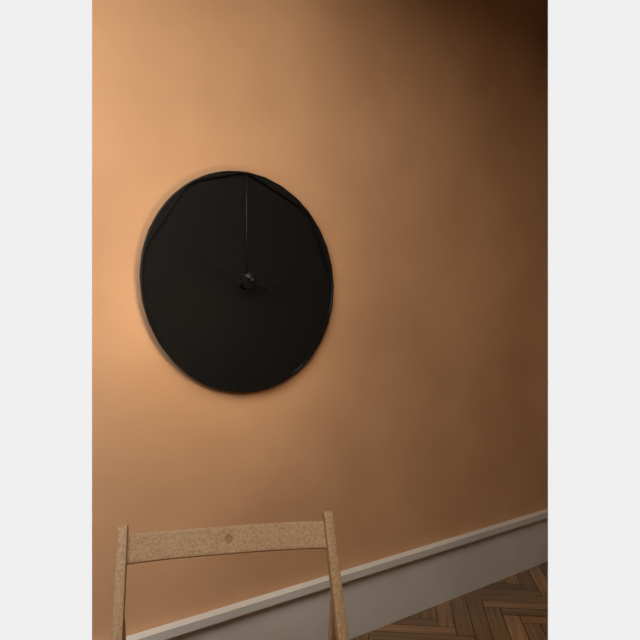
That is h=2 m=48
